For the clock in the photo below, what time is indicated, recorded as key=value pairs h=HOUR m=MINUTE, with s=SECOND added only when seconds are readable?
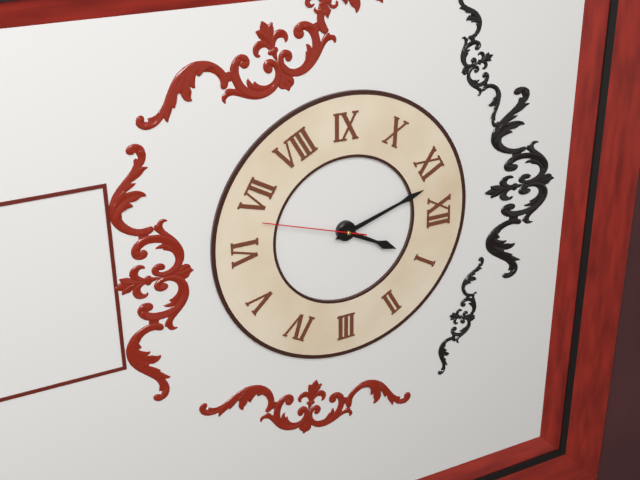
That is h=12 m=57 s=33
